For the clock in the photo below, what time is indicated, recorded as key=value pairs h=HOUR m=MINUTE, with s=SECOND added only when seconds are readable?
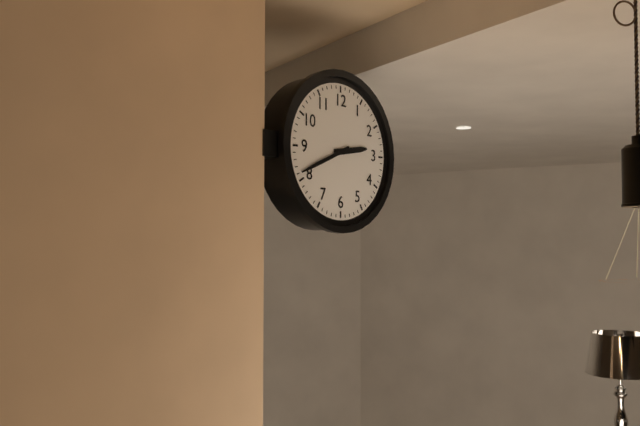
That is h=2 m=41
